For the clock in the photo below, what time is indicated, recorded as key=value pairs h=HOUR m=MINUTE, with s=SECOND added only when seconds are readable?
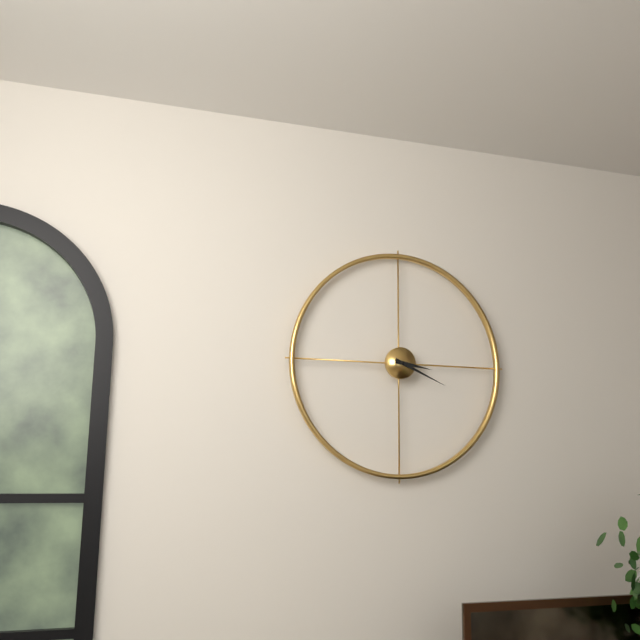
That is h=3 m=19
